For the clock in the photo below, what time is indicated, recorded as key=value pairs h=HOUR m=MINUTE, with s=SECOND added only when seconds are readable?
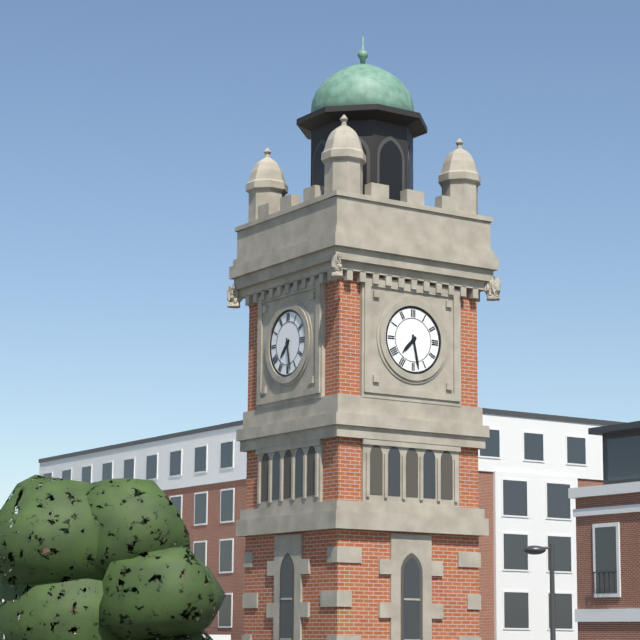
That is h=7 m=28
